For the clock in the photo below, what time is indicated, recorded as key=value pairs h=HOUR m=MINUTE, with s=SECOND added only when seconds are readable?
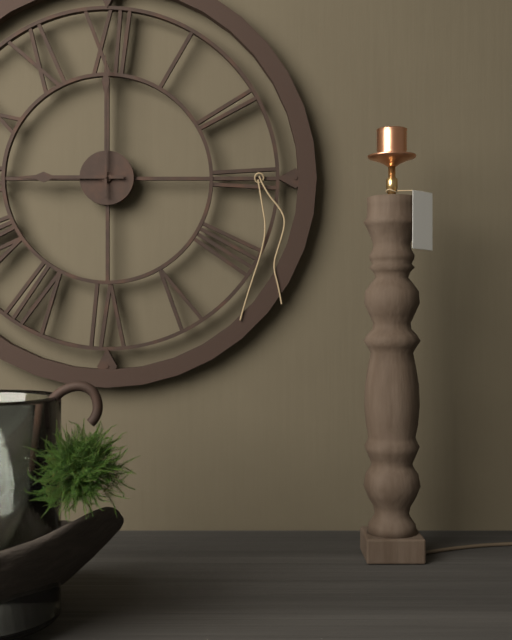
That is h=9 m=0
